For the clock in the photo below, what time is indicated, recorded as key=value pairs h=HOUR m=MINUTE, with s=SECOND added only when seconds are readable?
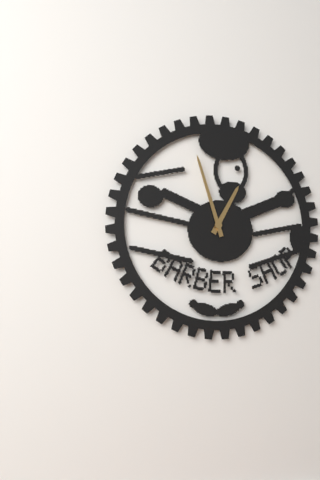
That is h=12 m=57
